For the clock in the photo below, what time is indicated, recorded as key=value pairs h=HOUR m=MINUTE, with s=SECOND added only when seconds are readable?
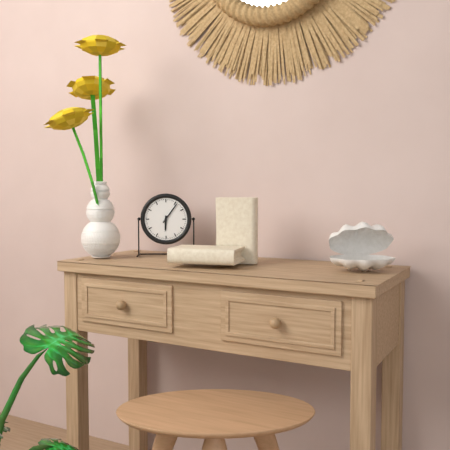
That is h=6 m=6
